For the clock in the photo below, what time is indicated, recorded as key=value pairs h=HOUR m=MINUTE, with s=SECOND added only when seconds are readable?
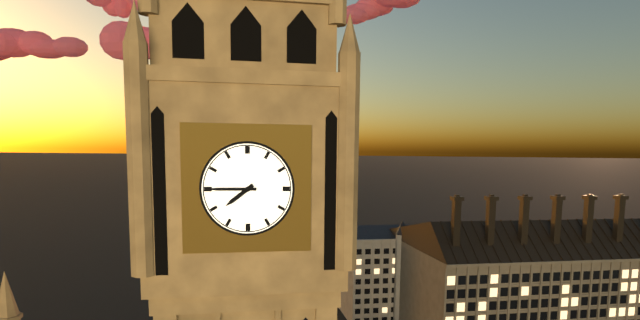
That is h=7 m=45
